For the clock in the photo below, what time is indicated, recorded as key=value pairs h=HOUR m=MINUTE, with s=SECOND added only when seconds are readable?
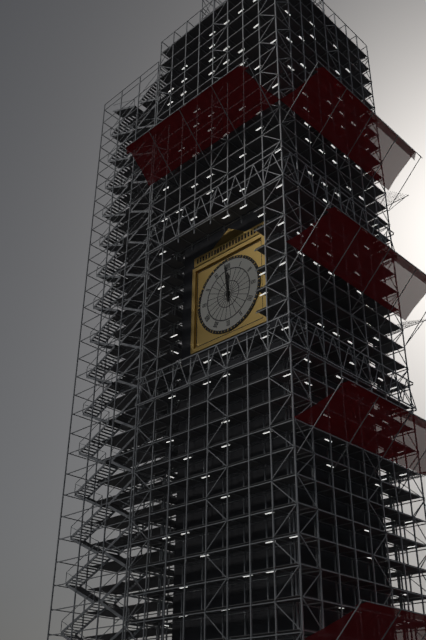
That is h=11 m=59
